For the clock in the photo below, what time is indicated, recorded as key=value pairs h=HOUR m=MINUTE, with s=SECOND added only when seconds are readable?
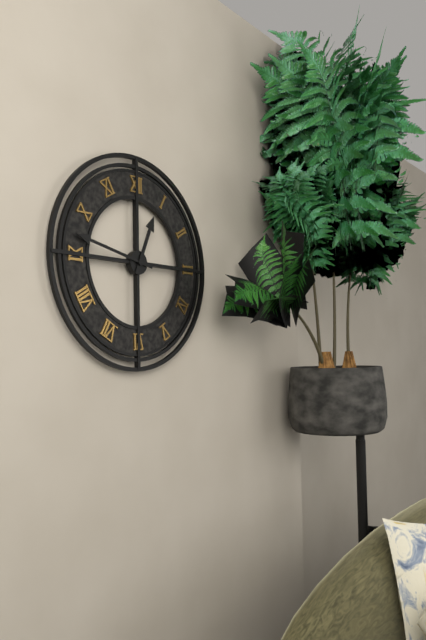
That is h=12 m=47
